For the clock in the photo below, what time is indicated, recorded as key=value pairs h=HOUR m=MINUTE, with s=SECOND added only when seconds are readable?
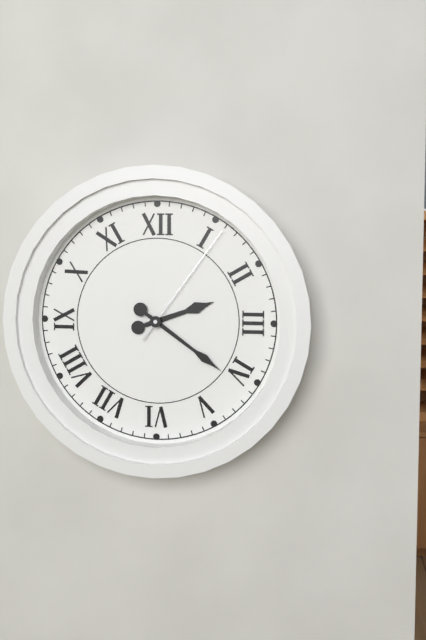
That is h=2 m=21 s=6
